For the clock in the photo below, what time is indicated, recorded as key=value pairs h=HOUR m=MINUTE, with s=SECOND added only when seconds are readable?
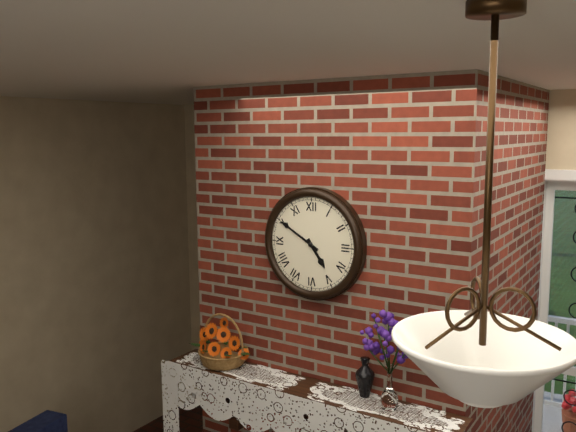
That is h=4 m=50
